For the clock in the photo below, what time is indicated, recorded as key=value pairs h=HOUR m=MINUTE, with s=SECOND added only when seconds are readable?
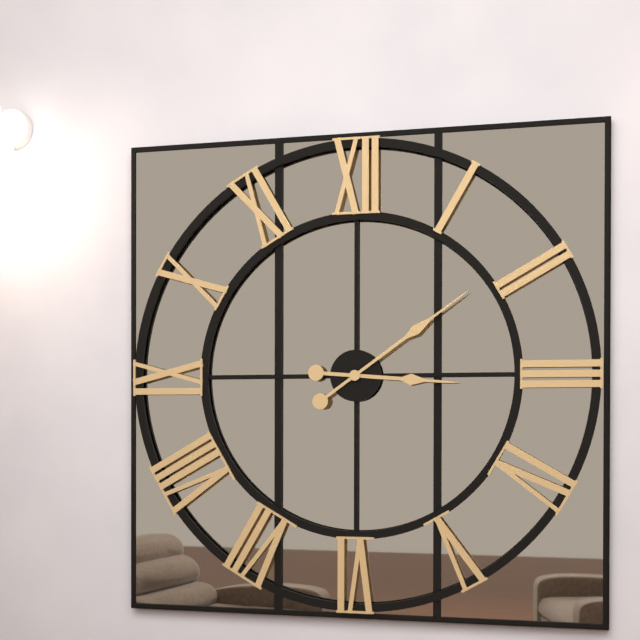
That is h=3 m=9
